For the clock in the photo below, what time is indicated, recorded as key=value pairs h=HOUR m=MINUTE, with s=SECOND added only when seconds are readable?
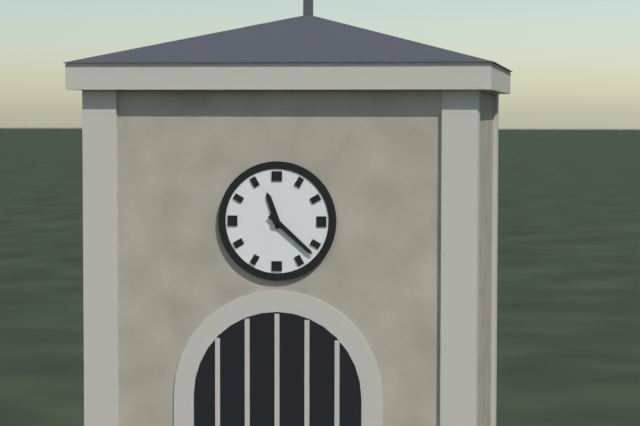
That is h=11 m=22
